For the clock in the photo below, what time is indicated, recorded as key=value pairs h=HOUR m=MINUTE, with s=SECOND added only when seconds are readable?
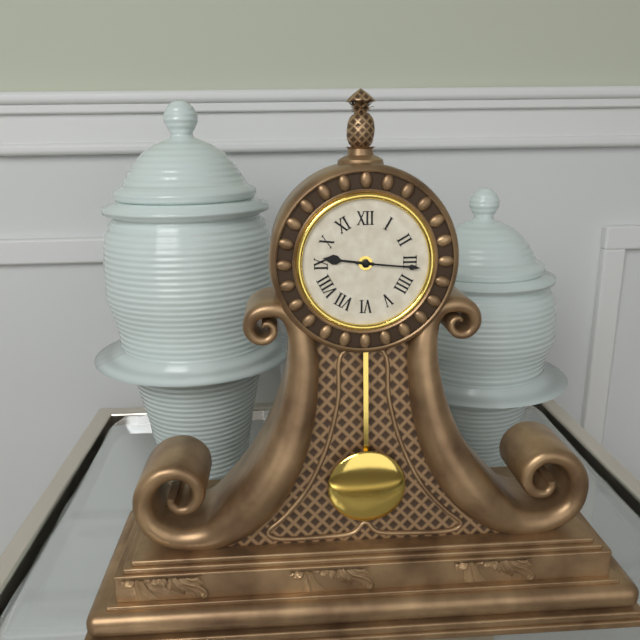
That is h=9 m=16
